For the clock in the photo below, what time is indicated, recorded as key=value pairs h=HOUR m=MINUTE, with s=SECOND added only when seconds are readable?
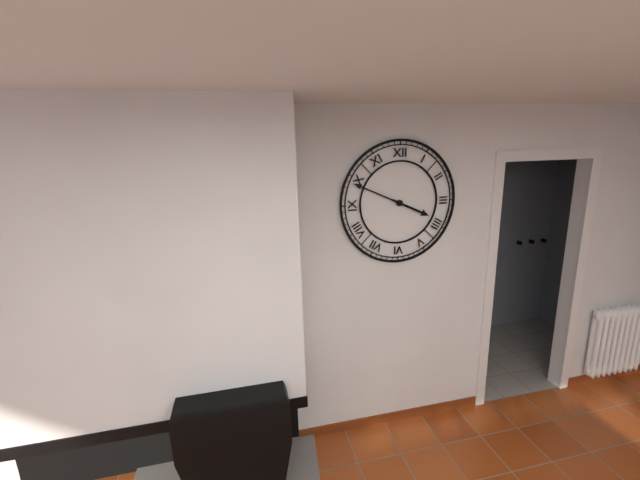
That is h=3 m=49
